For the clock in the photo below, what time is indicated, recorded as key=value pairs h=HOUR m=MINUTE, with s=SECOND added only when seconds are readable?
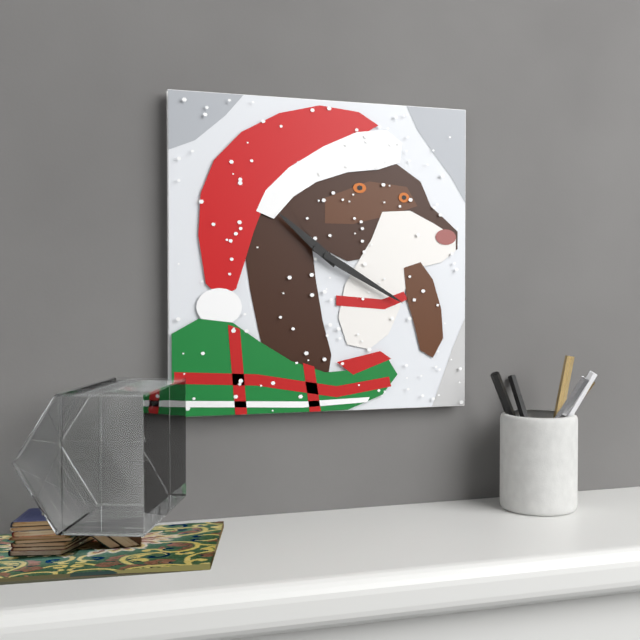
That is h=10 m=20
